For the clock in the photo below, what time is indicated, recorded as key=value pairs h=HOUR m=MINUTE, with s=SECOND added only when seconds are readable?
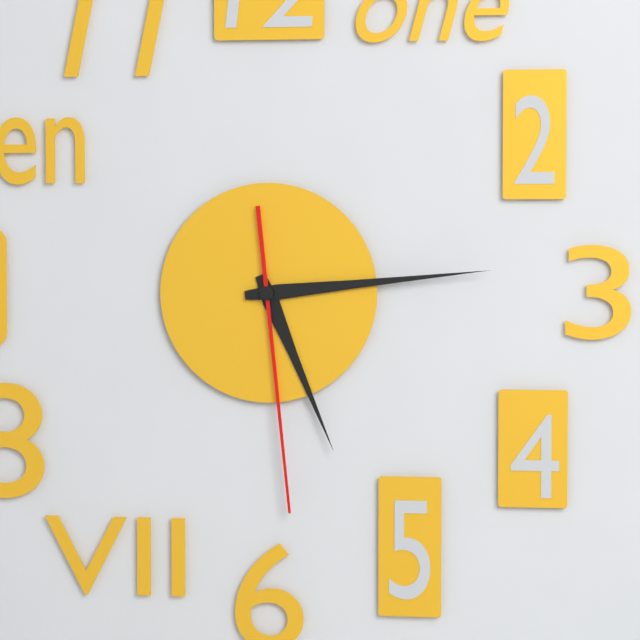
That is h=5 m=14 s=29
